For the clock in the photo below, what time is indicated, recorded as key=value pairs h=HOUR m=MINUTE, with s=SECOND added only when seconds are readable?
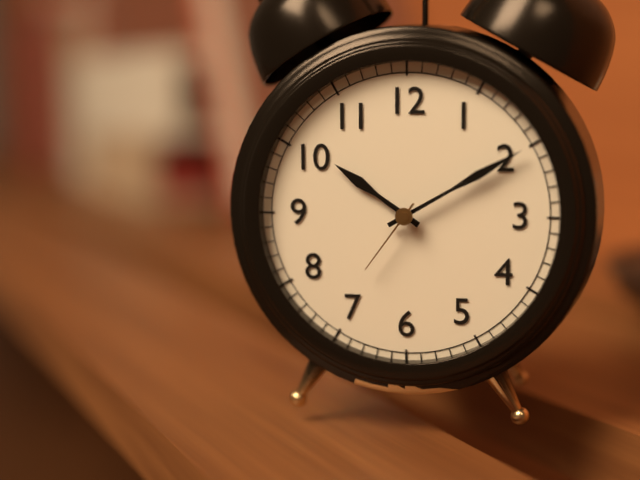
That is h=10 m=10 s=36
